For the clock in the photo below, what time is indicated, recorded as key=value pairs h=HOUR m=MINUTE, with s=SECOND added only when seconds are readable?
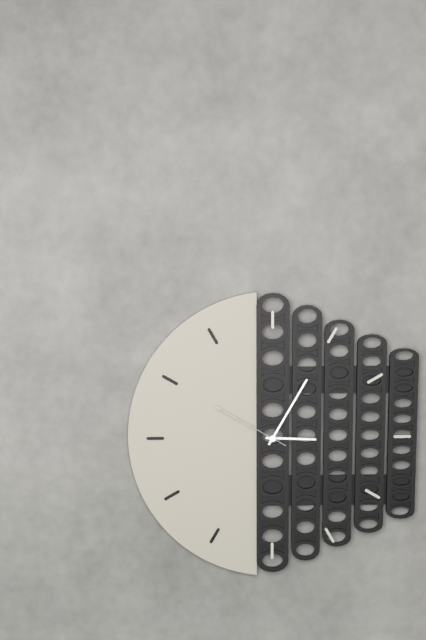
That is h=3 m=5 s=50
